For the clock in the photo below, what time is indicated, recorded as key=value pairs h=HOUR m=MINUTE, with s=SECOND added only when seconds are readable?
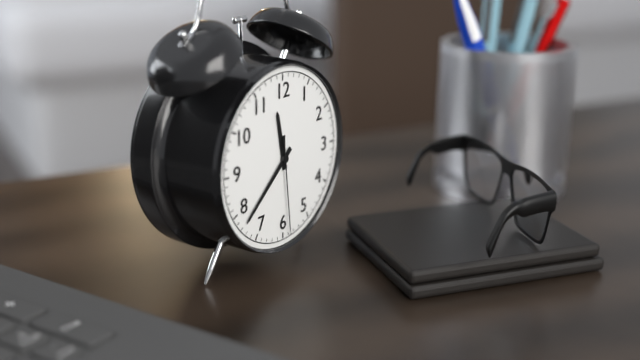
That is h=11 m=38 s=29
